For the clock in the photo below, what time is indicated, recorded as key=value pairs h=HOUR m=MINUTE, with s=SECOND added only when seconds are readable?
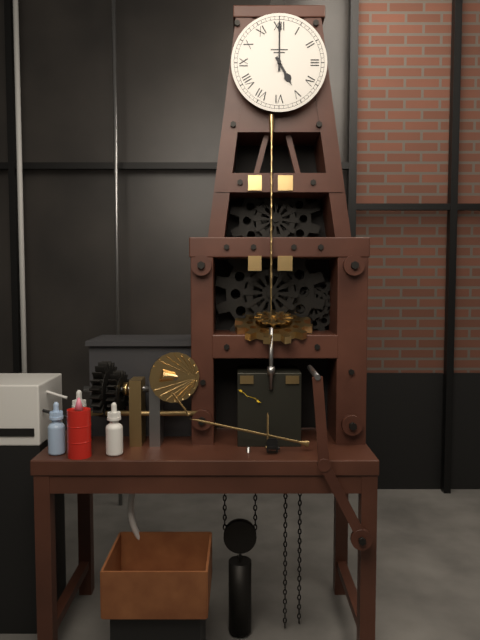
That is h=5 m=0
